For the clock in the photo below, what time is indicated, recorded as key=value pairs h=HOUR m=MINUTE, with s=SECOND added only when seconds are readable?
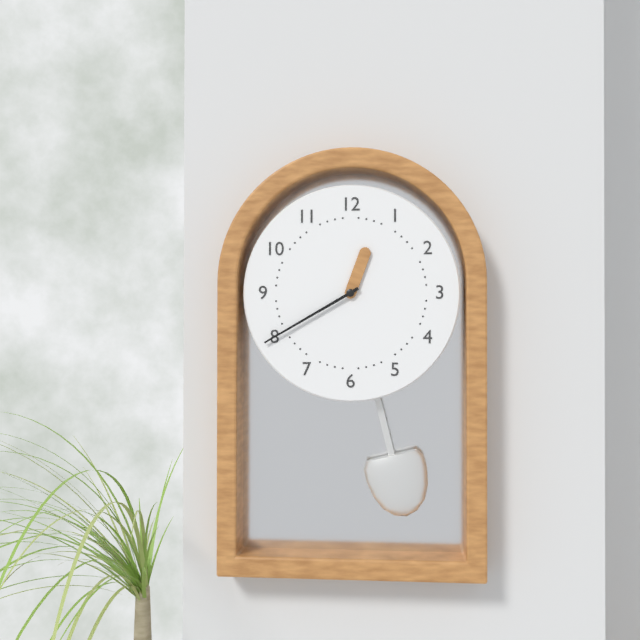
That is h=12 m=40
